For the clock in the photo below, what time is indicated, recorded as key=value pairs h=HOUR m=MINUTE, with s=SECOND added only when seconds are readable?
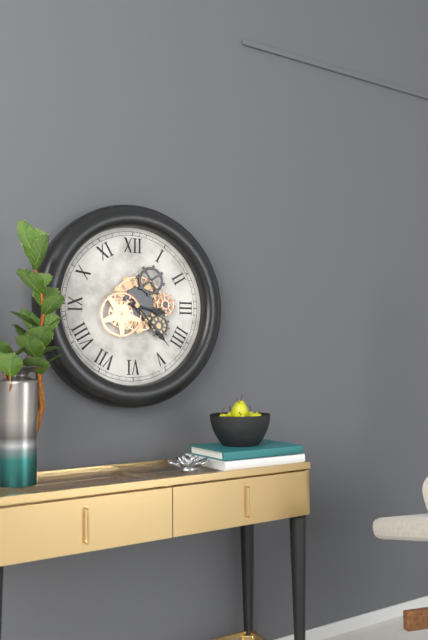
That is h=3 m=23
